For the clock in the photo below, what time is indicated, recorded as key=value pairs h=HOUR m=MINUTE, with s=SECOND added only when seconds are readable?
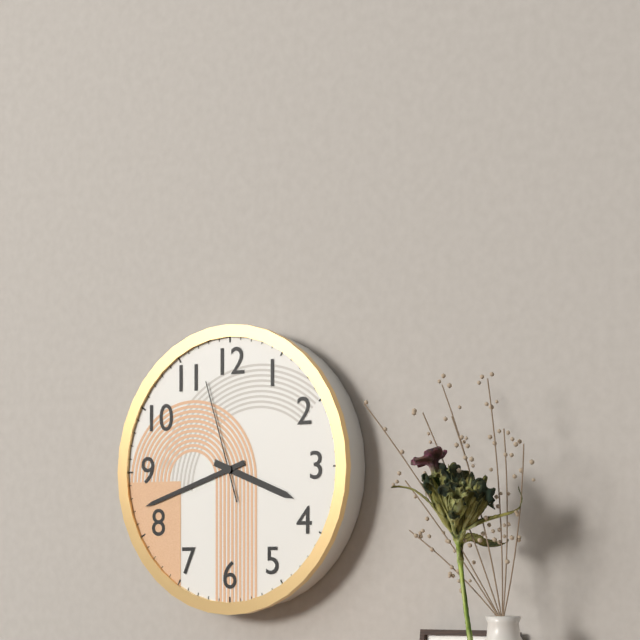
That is h=3 m=42 s=57
